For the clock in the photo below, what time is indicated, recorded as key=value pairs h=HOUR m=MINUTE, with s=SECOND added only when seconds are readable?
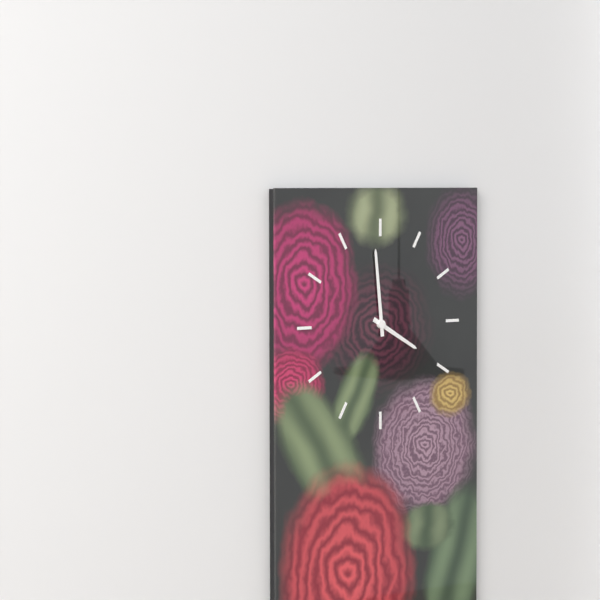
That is h=3 m=59
